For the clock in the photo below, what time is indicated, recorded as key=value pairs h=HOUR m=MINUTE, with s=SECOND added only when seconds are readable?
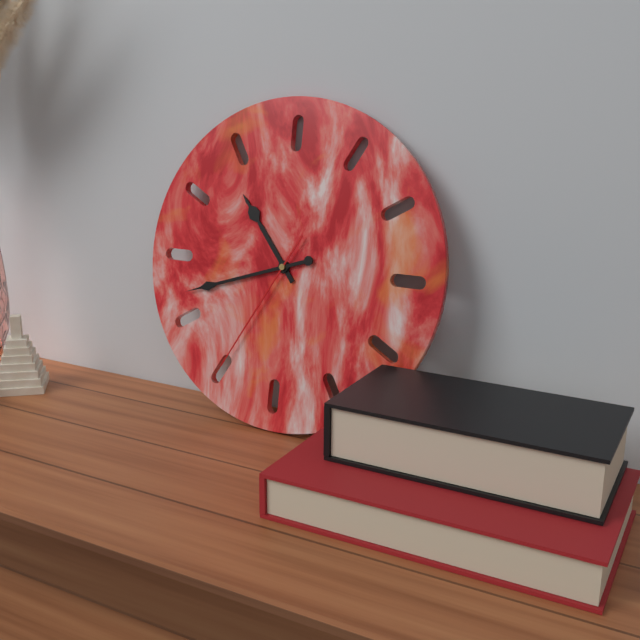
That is h=10 m=42 s=35
